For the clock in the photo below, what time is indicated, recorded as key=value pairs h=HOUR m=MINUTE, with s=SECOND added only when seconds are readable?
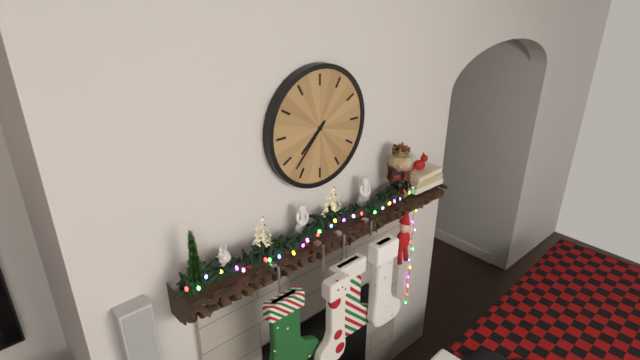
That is h=7 m=37
